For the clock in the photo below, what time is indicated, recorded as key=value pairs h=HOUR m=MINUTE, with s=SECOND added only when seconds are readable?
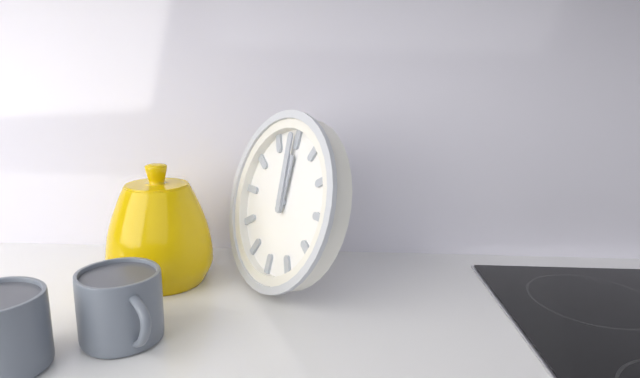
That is h=11 m=59
